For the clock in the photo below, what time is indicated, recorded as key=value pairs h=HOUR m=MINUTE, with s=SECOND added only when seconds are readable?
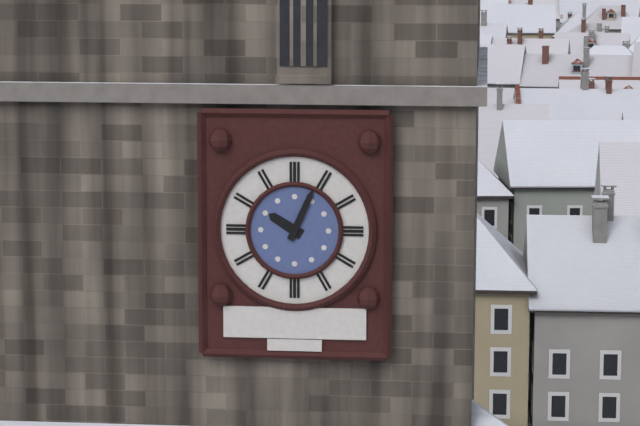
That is h=10 m=4
